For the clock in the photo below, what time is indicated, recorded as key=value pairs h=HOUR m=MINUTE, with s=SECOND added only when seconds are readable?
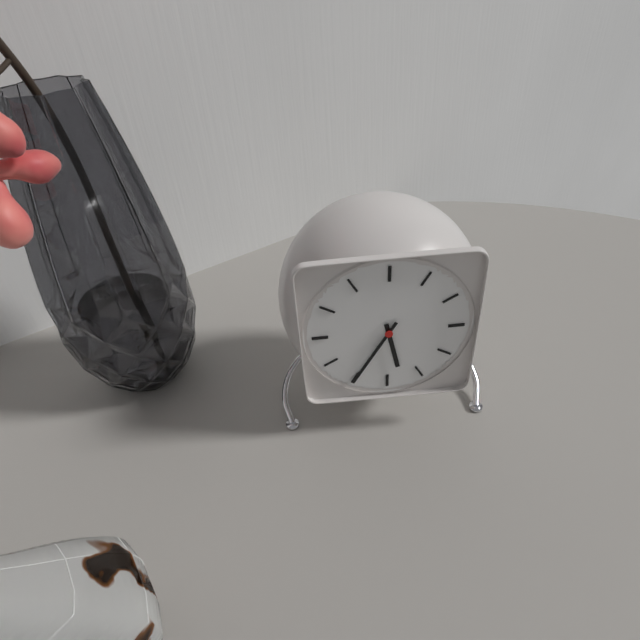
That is h=5 m=35
